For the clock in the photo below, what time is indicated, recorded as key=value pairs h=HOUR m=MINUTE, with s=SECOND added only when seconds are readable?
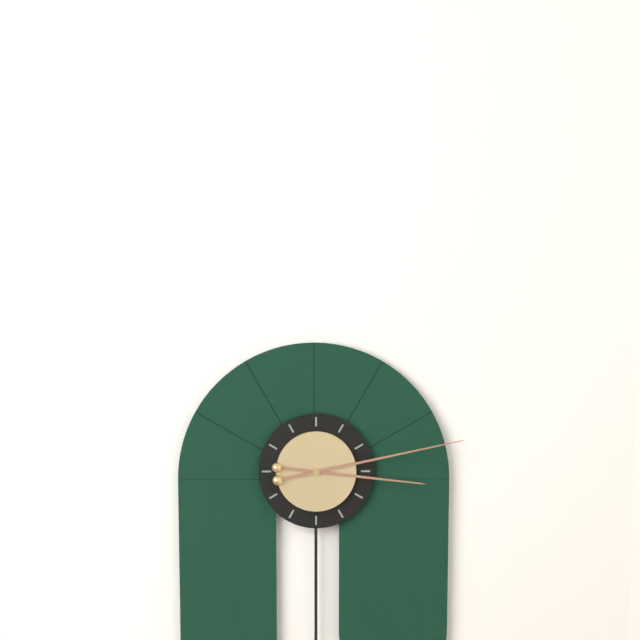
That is h=3 m=13
